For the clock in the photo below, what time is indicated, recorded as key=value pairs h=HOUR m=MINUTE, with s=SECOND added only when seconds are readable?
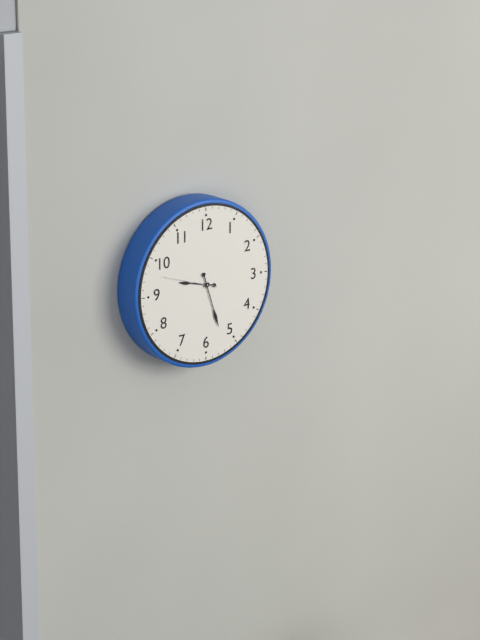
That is h=9 m=27 s=48
